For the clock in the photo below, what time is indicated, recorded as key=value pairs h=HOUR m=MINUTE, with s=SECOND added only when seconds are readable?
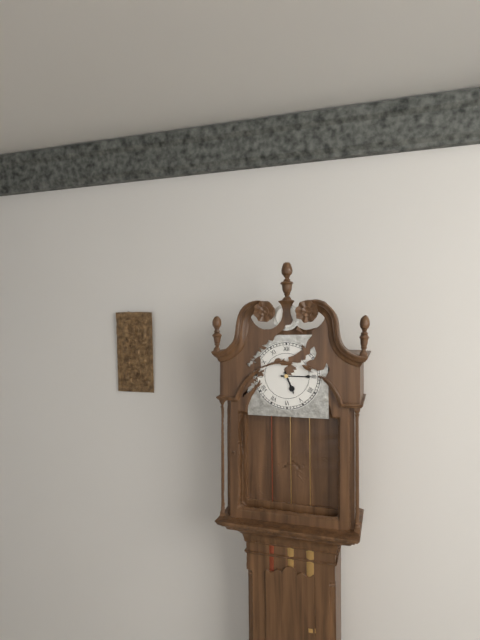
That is h=5 m=15
